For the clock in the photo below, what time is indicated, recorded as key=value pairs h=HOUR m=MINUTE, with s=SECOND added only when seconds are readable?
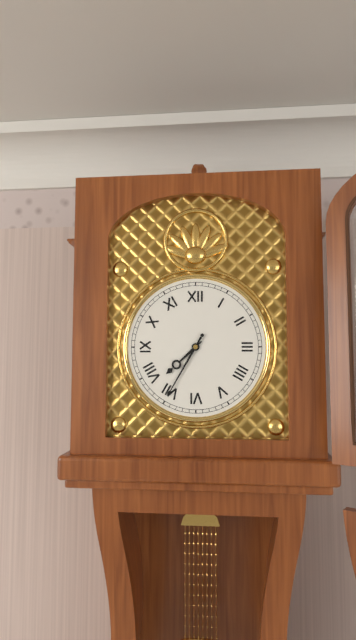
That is h=7 m=35
